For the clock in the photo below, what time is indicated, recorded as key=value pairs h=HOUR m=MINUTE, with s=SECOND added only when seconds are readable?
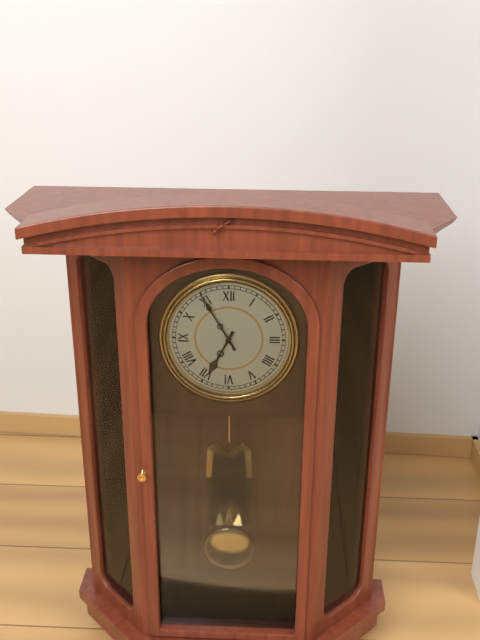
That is h=6 m=55
